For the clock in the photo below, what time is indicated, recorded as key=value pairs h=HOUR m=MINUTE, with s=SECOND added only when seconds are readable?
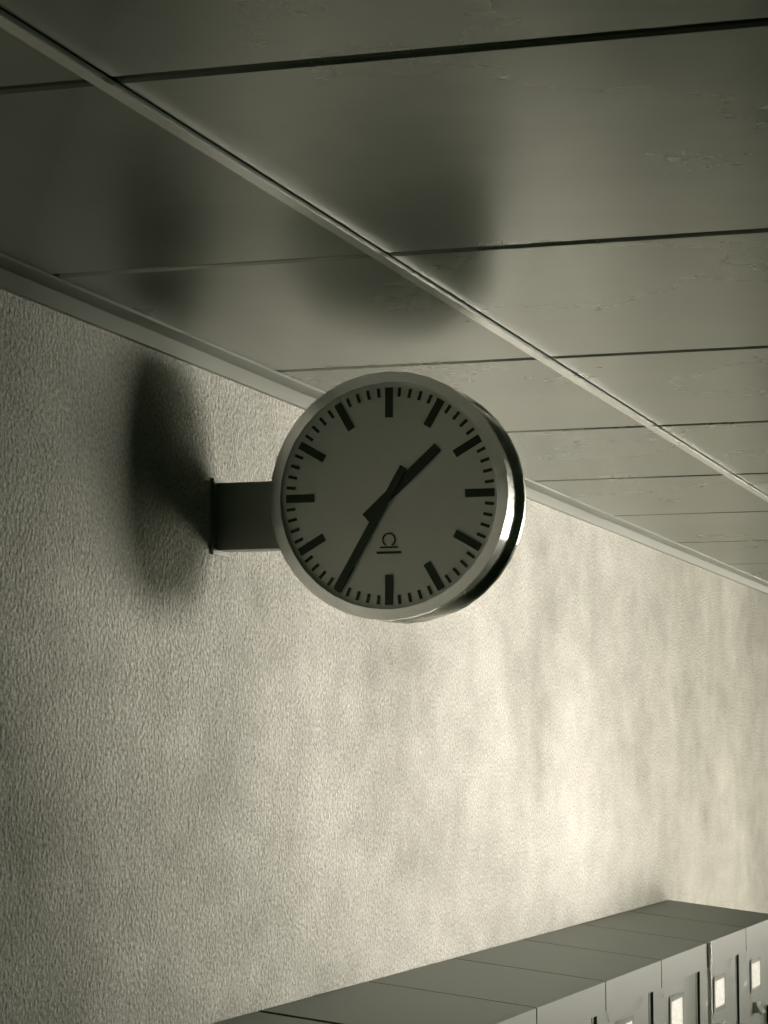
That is h=1 m=35
